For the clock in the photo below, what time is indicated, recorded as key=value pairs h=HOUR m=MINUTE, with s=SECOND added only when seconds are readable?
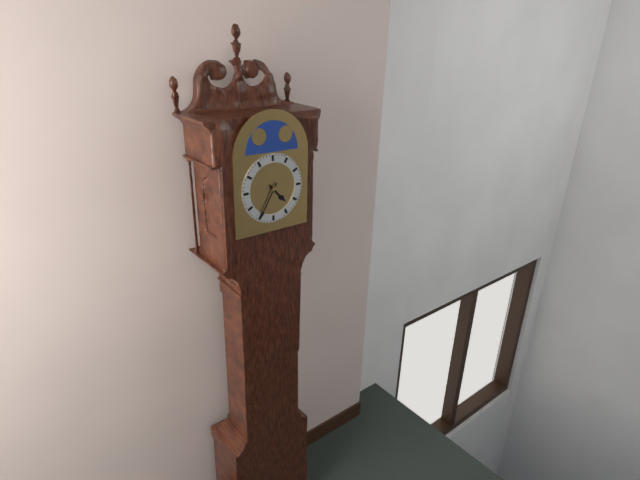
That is h=4 m=35
